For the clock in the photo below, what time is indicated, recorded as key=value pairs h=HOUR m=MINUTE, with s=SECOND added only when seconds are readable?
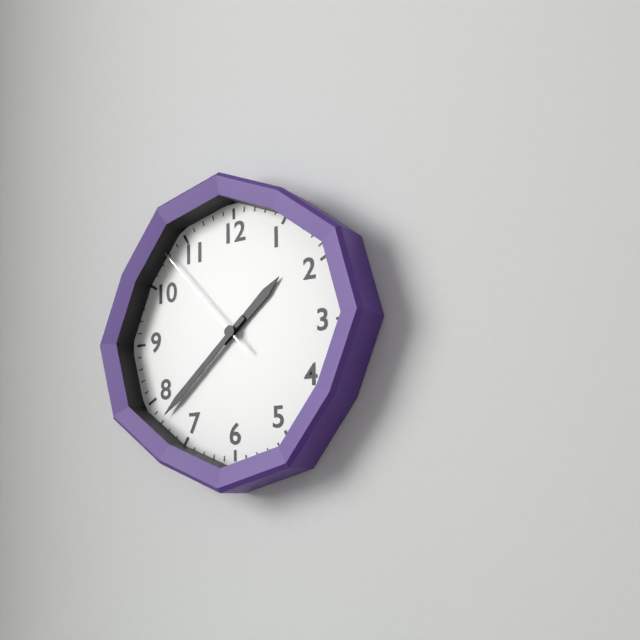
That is h=1 m=38 s=53
